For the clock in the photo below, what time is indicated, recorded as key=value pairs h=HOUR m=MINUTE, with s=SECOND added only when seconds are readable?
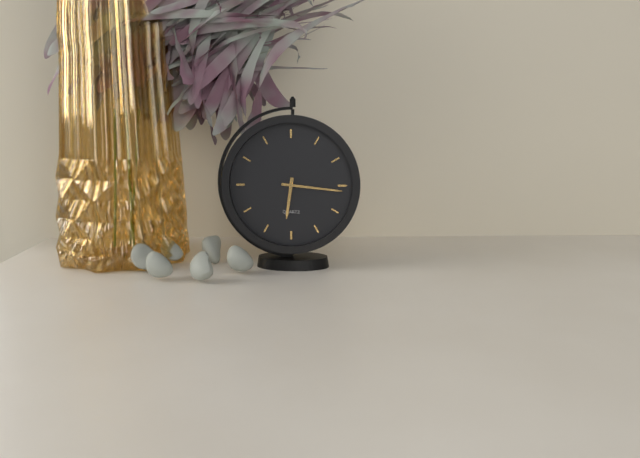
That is h=6 m=16
